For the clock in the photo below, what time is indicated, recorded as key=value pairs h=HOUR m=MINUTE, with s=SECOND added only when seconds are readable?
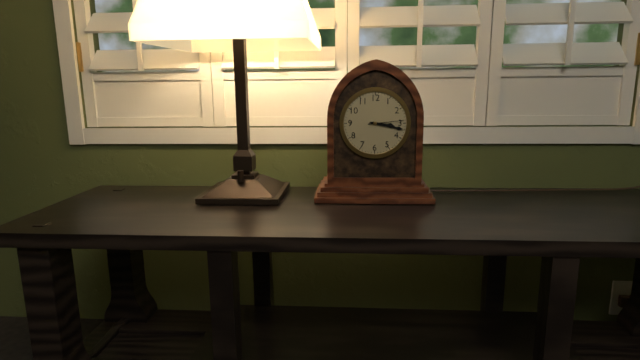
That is h=3 m=17
